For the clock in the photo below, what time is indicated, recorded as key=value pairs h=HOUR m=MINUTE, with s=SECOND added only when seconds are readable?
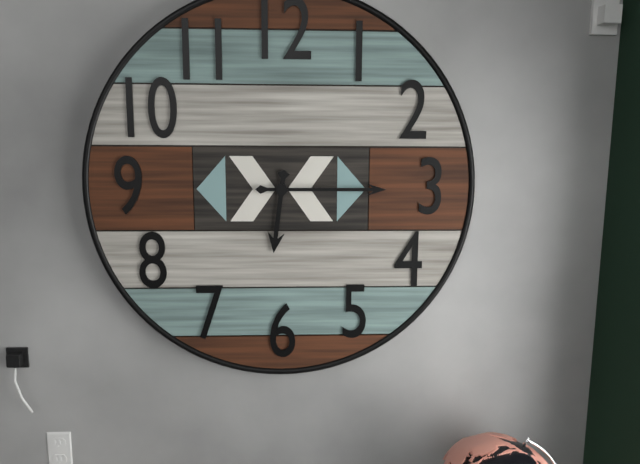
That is h=6 m=15
